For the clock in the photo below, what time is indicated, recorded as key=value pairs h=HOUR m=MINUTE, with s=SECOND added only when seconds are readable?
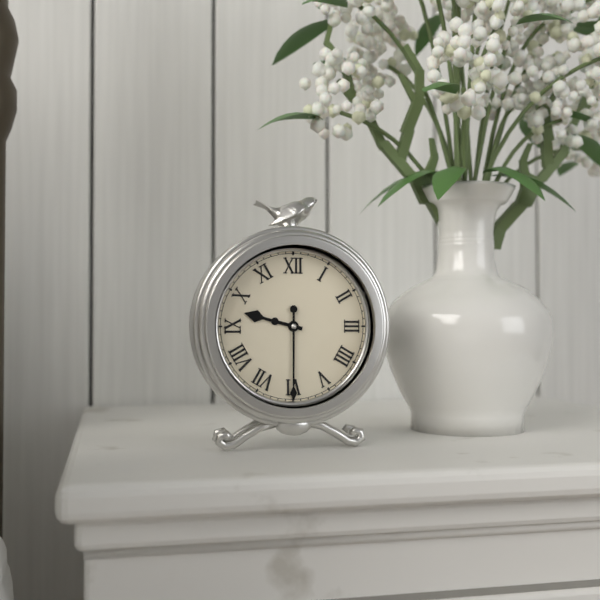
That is h=9 m=30
